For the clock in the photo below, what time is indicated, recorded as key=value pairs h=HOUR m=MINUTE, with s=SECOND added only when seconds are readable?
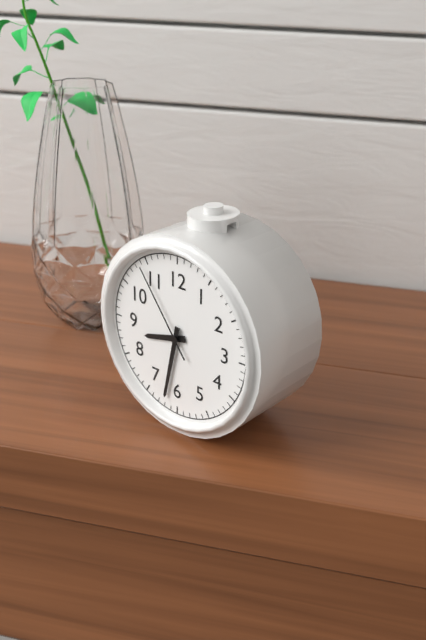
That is h=8 m=32 s=54
